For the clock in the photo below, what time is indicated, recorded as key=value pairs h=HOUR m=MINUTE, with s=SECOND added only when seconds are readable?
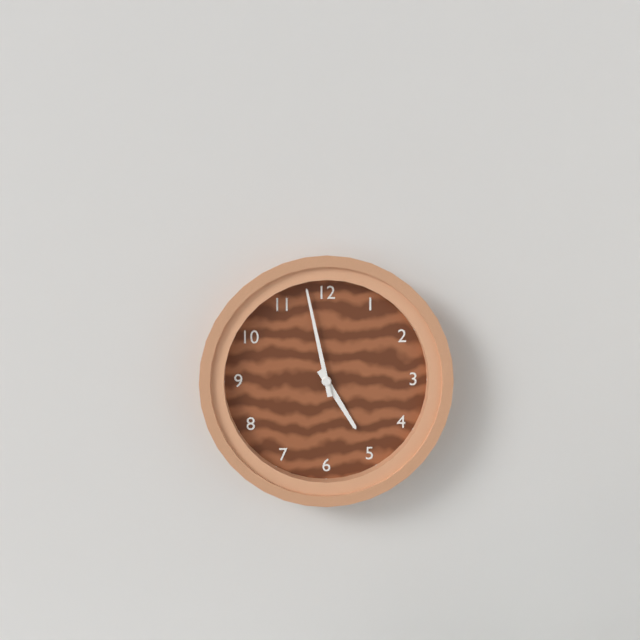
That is h=4 m=58
